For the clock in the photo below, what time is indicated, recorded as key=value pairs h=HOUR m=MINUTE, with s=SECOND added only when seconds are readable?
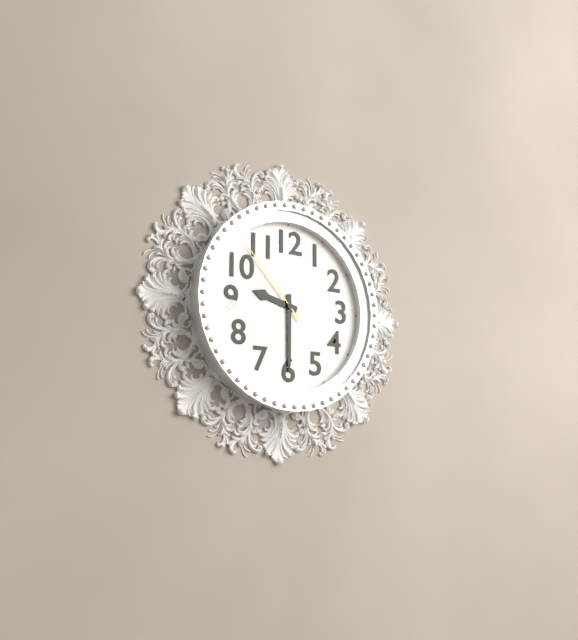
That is h=9 m=30 s=53
